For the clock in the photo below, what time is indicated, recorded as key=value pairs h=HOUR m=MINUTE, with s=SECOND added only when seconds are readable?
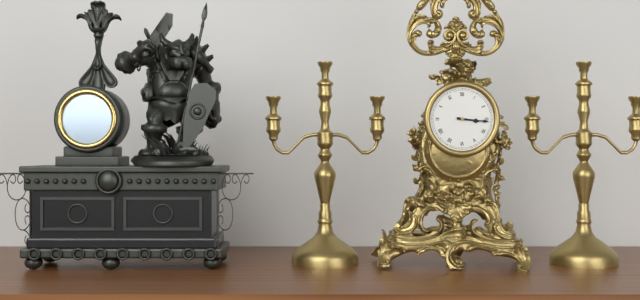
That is h=3 m=16
